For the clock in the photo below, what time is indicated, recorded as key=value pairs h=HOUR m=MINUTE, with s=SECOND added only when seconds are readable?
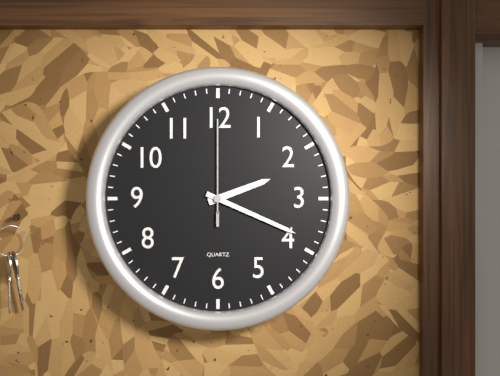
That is h=2 m=19 s=0
